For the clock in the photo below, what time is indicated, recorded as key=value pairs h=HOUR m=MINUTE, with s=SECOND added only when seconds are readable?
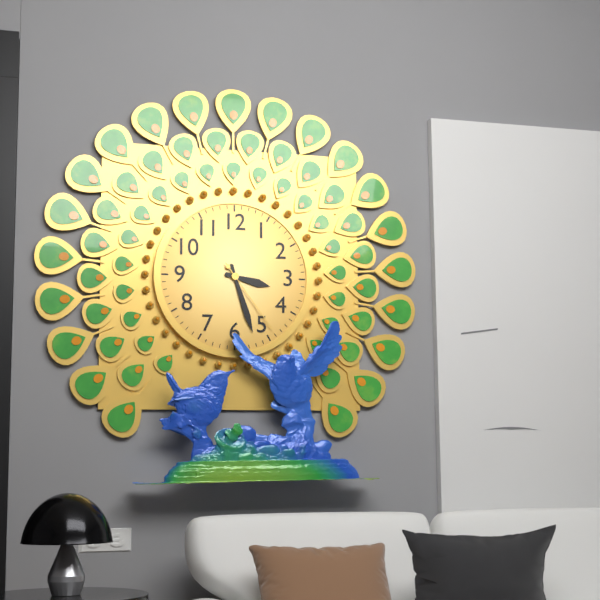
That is h=3 m=27 s=24
